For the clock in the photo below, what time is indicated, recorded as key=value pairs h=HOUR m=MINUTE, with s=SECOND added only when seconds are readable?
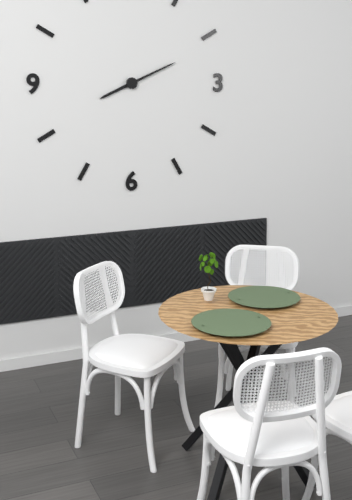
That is h=8 m=11
